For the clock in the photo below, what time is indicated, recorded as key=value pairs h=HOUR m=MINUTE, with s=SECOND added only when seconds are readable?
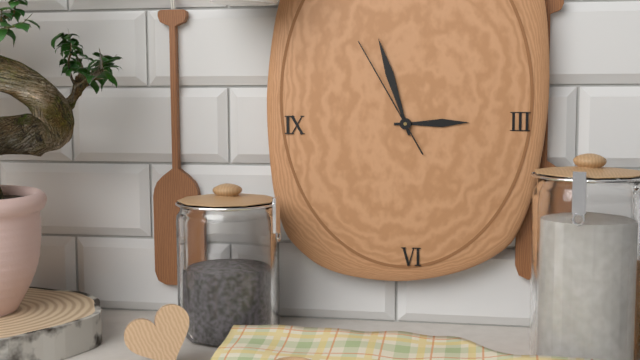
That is h=2 m=57 s=55
